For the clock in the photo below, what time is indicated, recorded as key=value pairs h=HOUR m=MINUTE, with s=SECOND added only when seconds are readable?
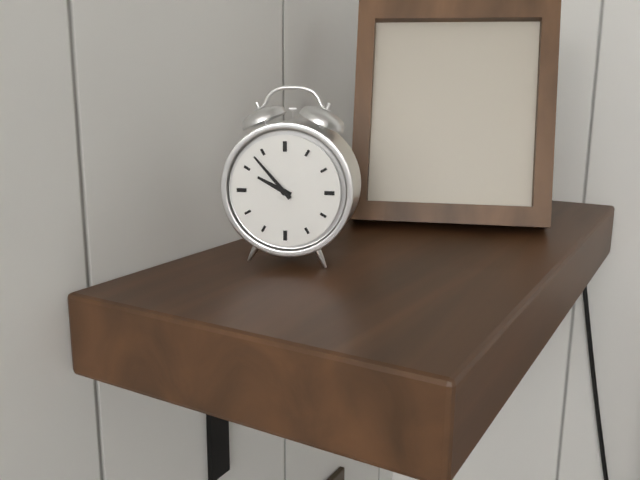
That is h=9 m=53
